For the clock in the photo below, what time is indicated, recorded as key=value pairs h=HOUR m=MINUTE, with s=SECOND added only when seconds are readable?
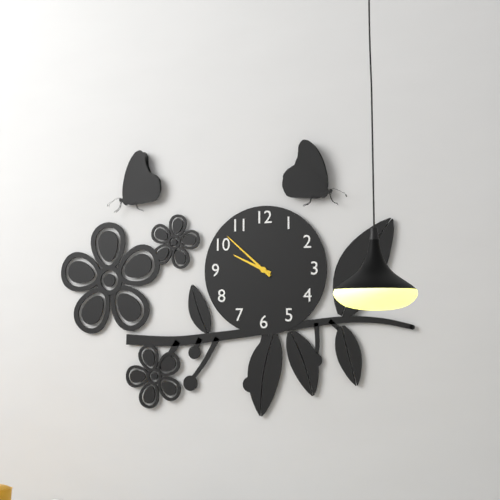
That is h=9 m=52
